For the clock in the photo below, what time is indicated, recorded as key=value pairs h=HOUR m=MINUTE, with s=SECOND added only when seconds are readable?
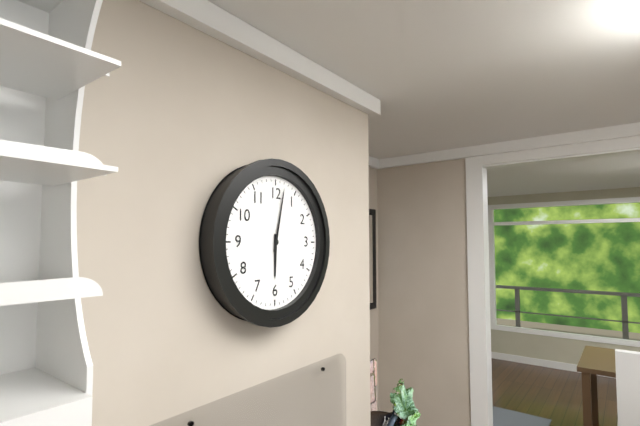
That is h=6 m=2
